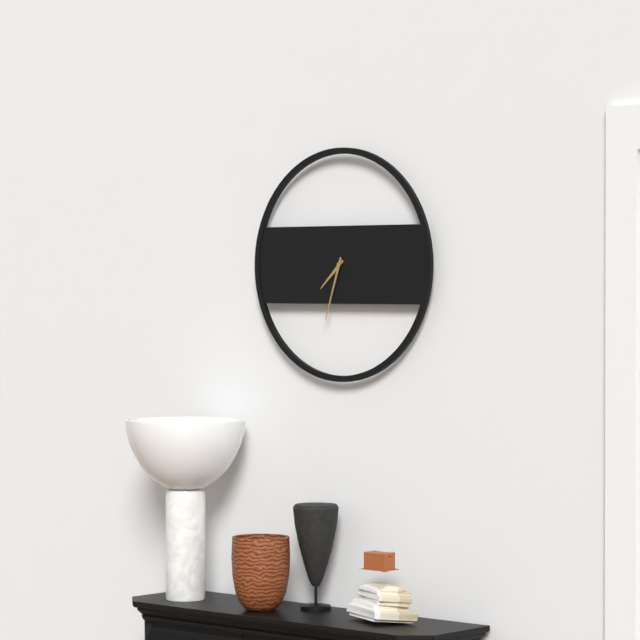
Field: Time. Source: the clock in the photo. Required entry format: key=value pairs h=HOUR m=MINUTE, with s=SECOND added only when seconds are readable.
h=7 m=33
